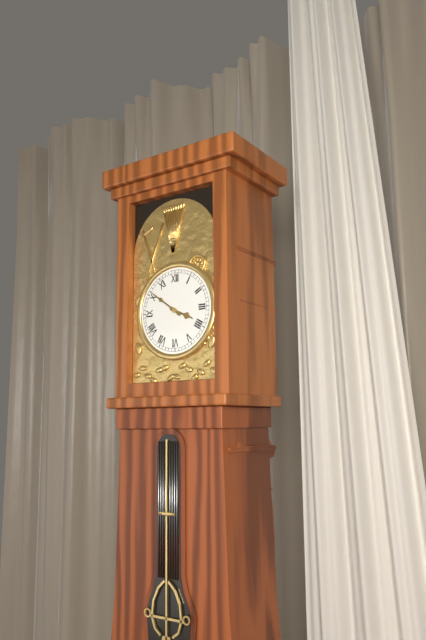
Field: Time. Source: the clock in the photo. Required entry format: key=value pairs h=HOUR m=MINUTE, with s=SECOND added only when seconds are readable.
h=3 m=51
